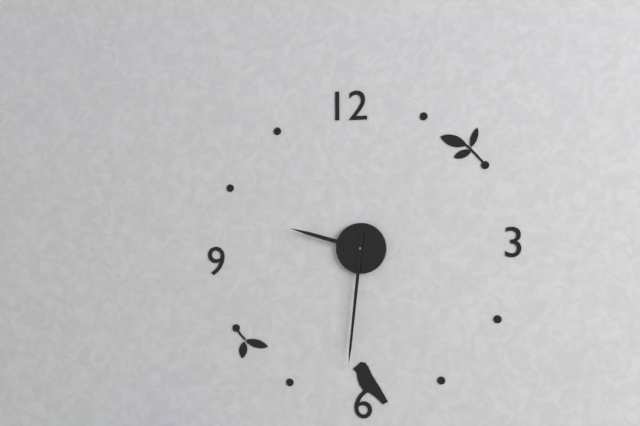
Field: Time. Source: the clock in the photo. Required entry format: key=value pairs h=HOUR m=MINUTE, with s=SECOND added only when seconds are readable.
h=9 m=31
